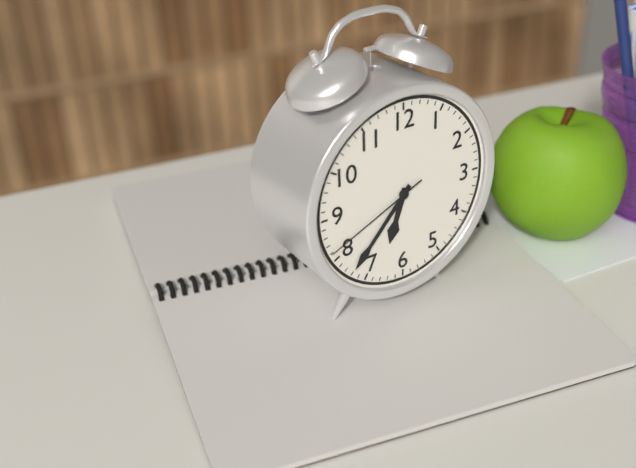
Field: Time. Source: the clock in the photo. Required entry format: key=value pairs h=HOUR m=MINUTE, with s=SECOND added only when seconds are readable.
h=6 m=37 s=41
